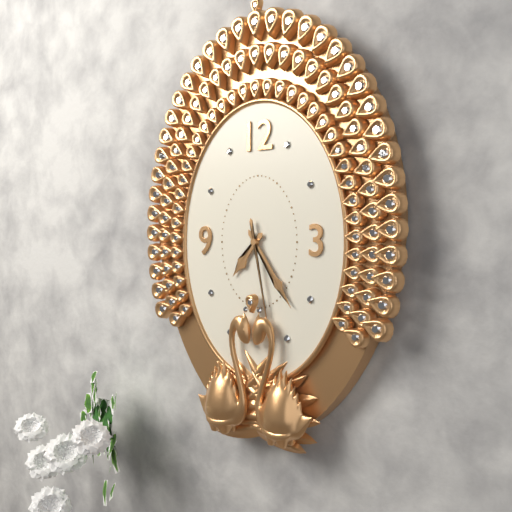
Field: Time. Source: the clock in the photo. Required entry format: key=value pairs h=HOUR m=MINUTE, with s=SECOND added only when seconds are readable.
h=7 m=24 s=28
